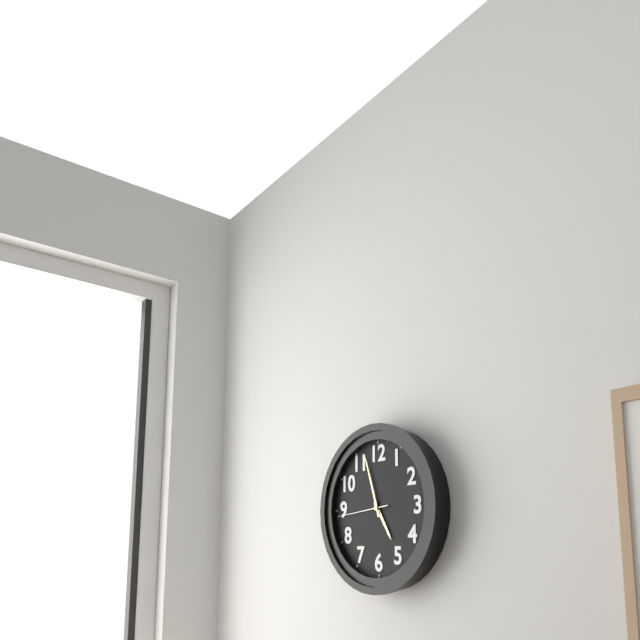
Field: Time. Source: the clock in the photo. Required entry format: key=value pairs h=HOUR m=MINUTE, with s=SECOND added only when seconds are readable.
h=4 m=57 s=44
